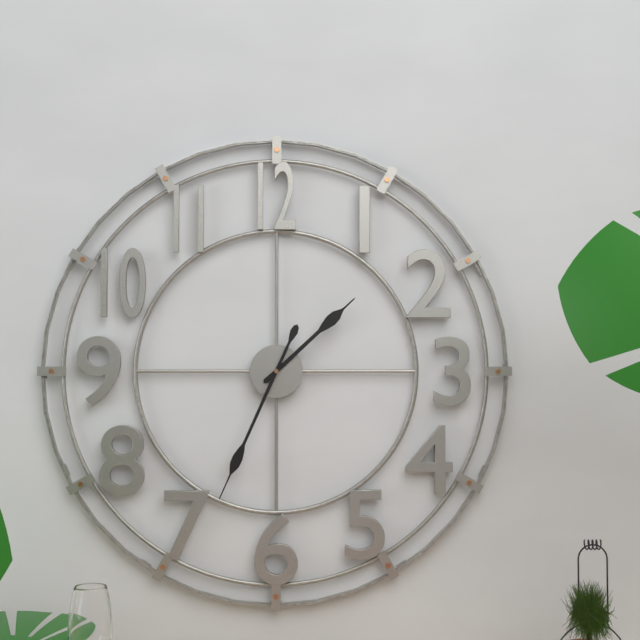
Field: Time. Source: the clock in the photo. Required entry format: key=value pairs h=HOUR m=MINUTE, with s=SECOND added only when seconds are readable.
h=1 m=34
